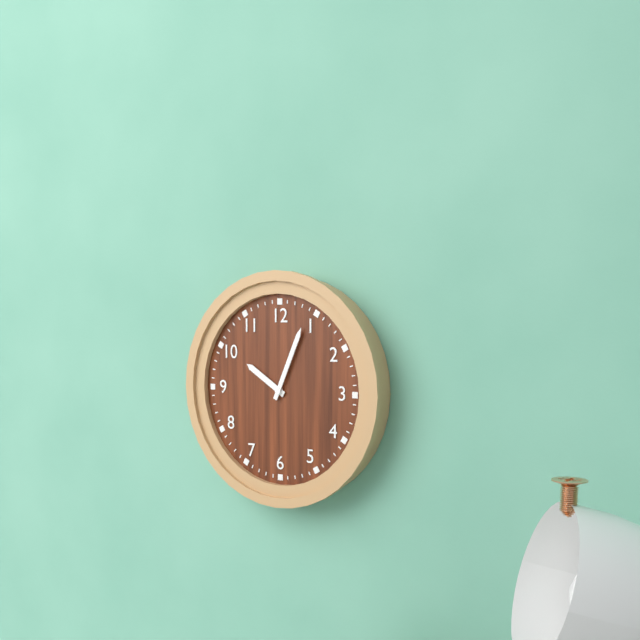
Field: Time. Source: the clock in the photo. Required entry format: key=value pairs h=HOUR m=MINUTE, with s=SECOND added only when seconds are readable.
h=10 m=4
